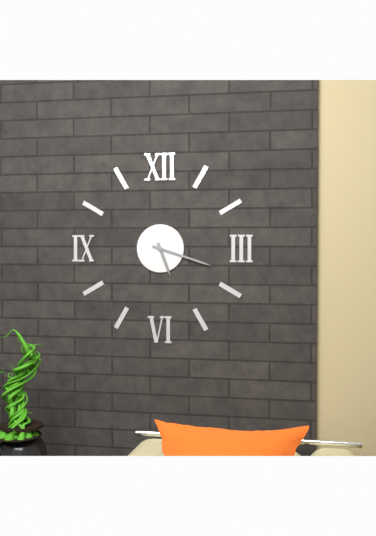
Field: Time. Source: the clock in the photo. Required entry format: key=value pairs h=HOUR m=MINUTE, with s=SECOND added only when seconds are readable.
h=5 m=18
